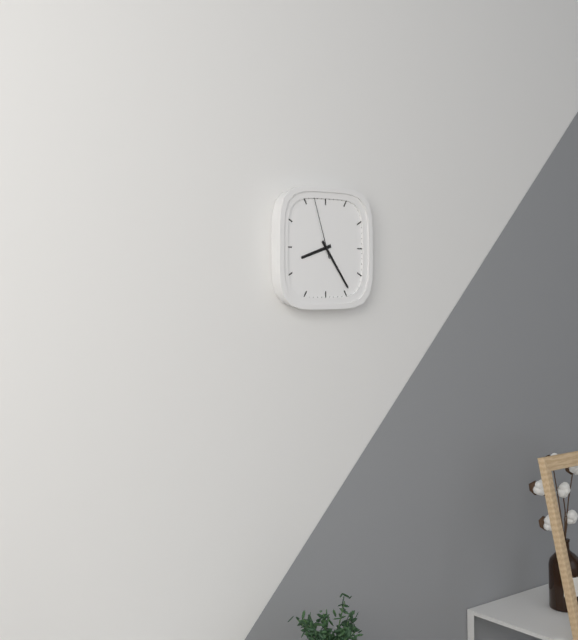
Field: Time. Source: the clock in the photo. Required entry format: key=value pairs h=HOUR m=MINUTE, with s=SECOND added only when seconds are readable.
h=8 m=24 s=57
